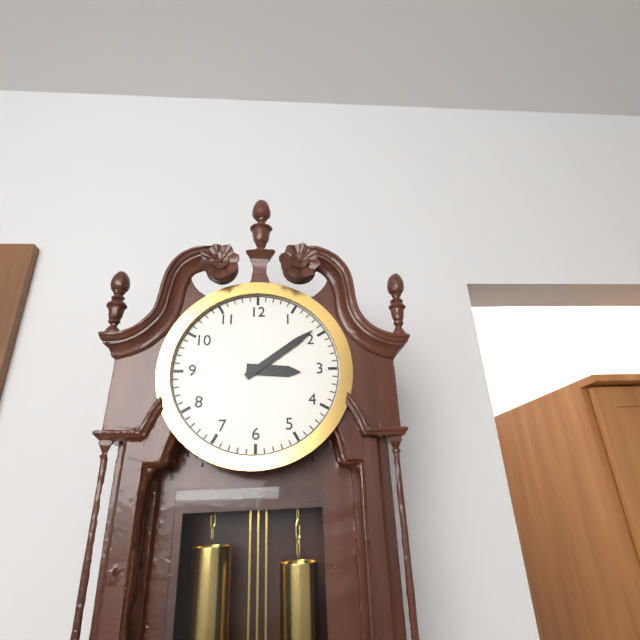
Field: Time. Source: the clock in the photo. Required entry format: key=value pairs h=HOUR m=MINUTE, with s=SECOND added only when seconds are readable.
h=3 m=9
